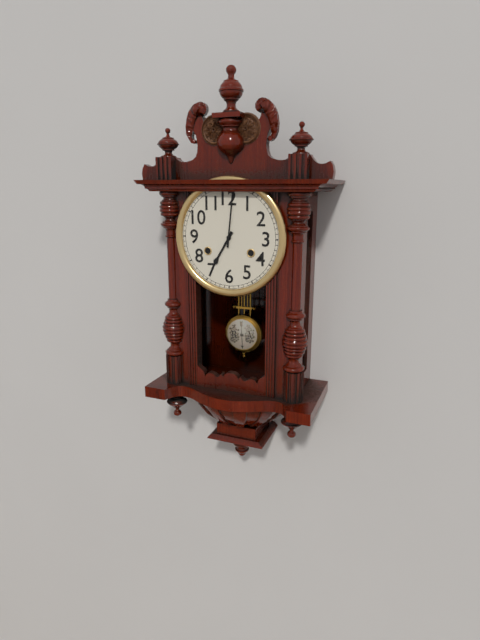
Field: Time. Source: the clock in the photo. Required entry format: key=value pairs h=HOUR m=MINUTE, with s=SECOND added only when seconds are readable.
h=7 m=1
